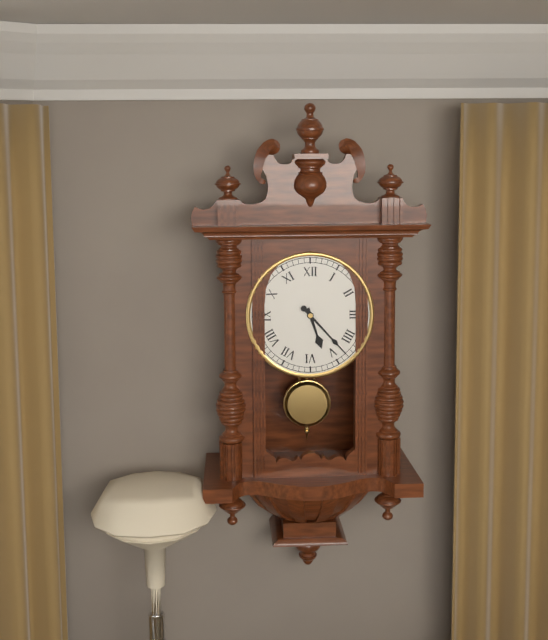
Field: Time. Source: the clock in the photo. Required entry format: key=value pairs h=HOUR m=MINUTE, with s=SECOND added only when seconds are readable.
h=5 m=23
